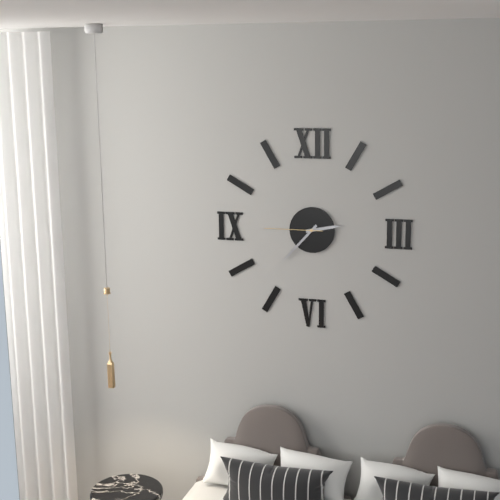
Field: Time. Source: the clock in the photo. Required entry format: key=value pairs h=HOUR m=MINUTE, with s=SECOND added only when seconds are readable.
h=2 m=37 s=45
